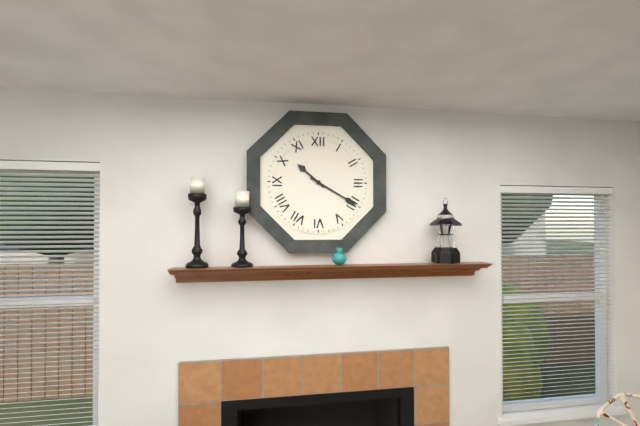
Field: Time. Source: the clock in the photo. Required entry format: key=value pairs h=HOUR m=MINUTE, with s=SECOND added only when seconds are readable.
h=10 m=20
